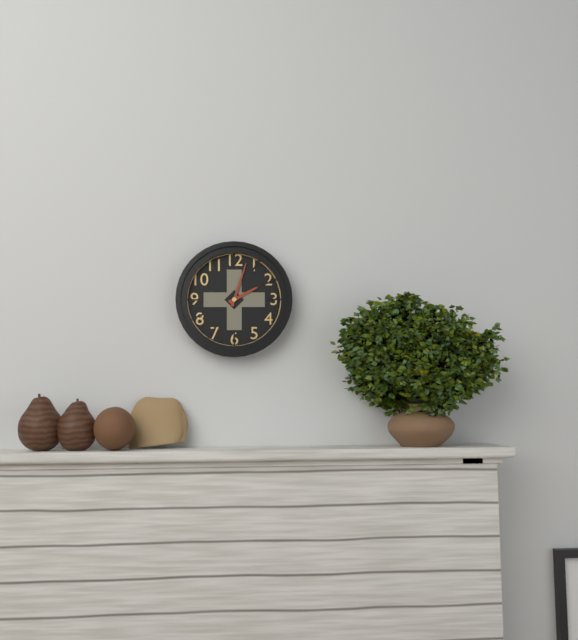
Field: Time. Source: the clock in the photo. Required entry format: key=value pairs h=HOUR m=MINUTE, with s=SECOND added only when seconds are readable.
h=2 m=3
